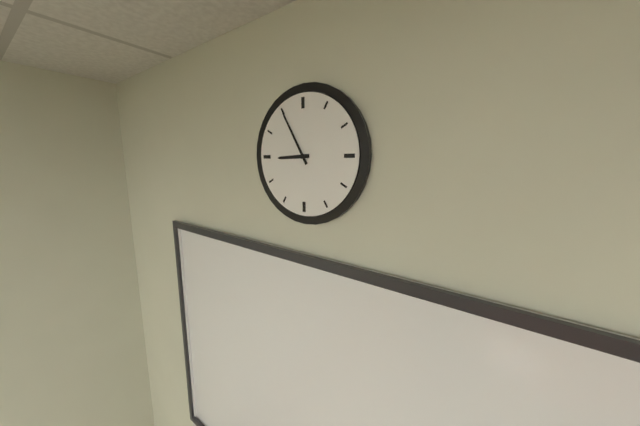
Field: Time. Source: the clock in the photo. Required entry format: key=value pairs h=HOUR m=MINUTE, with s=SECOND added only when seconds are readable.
h=8 m=55
